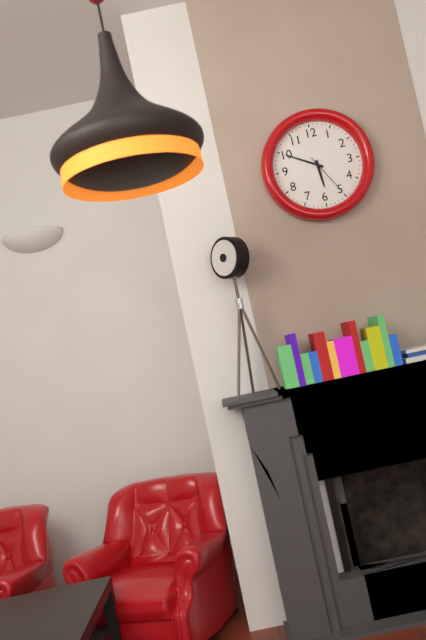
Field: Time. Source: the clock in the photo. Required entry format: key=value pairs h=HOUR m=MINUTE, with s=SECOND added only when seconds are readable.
h=5 m=50
